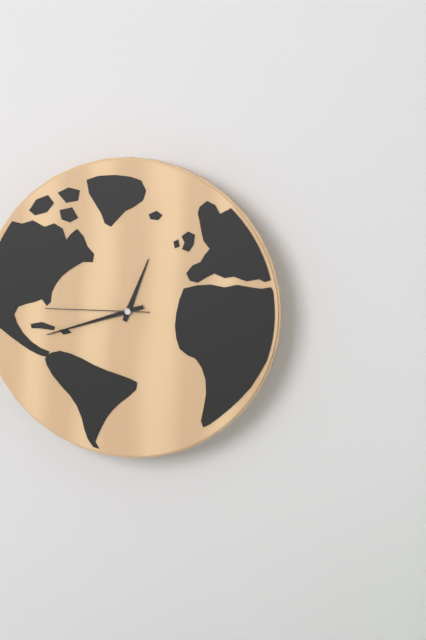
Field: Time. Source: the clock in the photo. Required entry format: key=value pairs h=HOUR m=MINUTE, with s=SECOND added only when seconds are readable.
h=12 m=42 s=45
